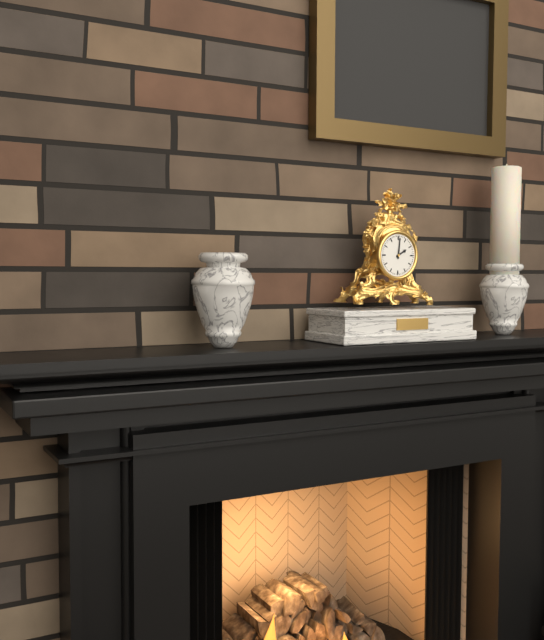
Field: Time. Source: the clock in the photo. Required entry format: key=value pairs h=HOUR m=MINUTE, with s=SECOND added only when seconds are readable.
h=2 m=1
